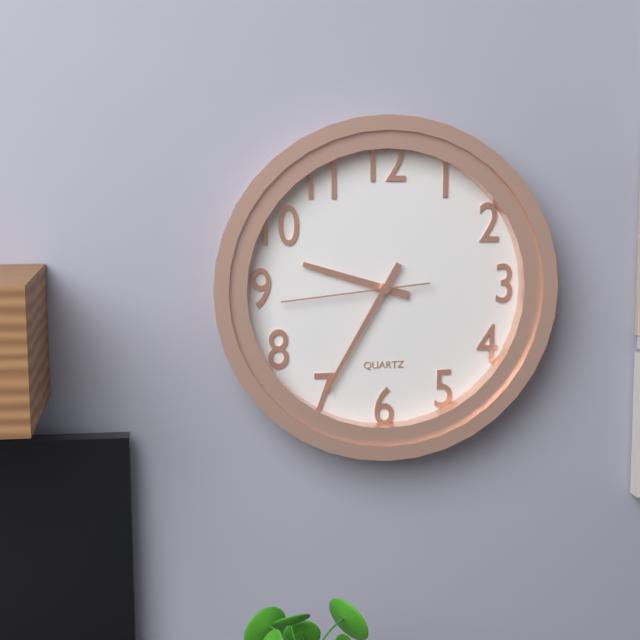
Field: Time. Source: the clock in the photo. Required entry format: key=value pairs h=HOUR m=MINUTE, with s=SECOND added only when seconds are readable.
h=9 m=35 s=44
